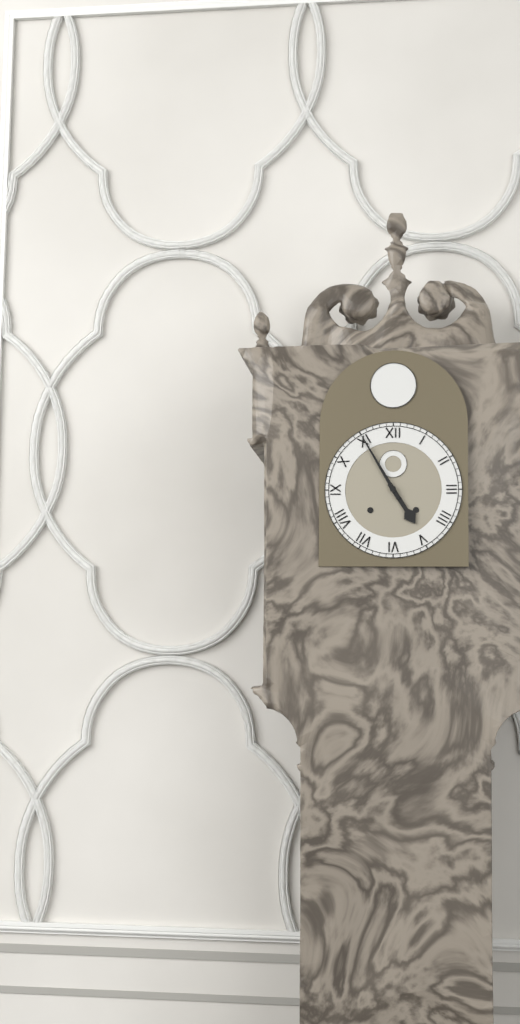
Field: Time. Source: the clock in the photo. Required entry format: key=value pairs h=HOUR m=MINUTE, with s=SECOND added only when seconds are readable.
h=4 m=55
